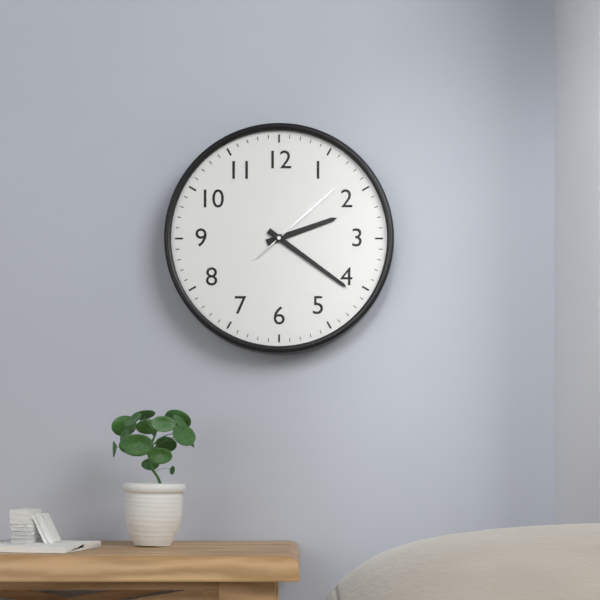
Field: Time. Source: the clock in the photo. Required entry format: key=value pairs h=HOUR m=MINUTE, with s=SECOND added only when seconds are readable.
h=2 m=21 s=8
